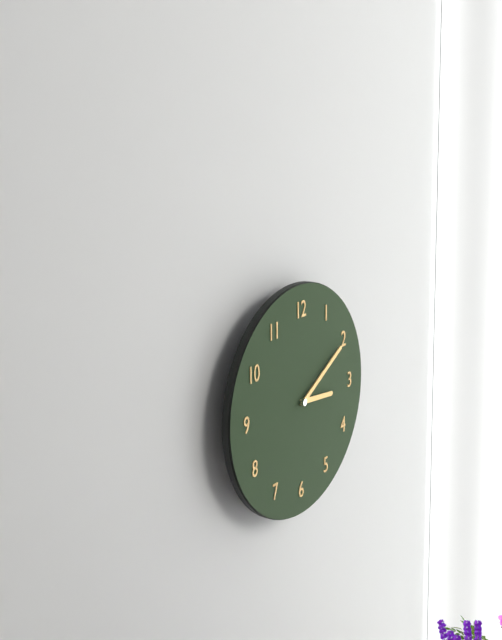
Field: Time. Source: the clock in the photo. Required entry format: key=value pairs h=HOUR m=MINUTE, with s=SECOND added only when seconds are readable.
h=3 m=10
